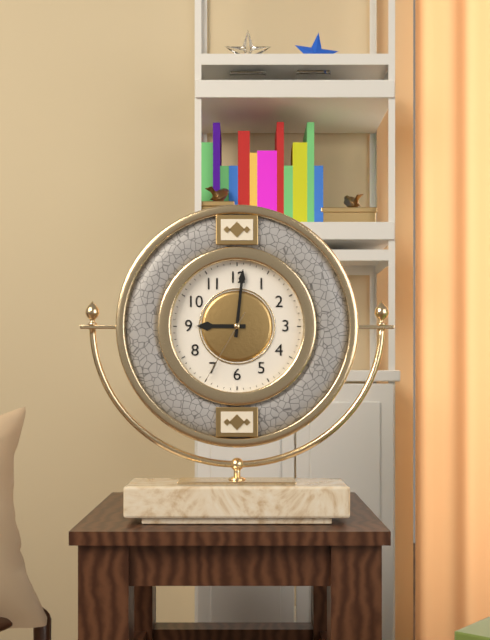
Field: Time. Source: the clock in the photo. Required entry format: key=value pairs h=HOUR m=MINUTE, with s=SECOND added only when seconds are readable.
h=9 m=1 s=35
